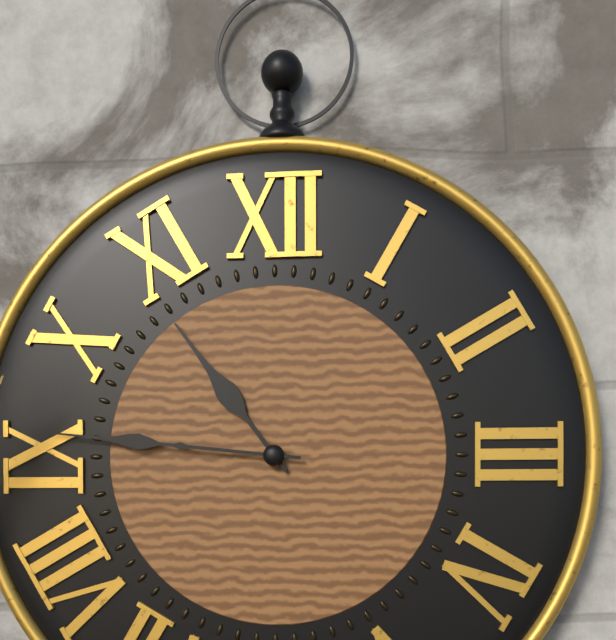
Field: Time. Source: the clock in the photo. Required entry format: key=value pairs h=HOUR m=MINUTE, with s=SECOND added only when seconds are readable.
h=10 m=46
